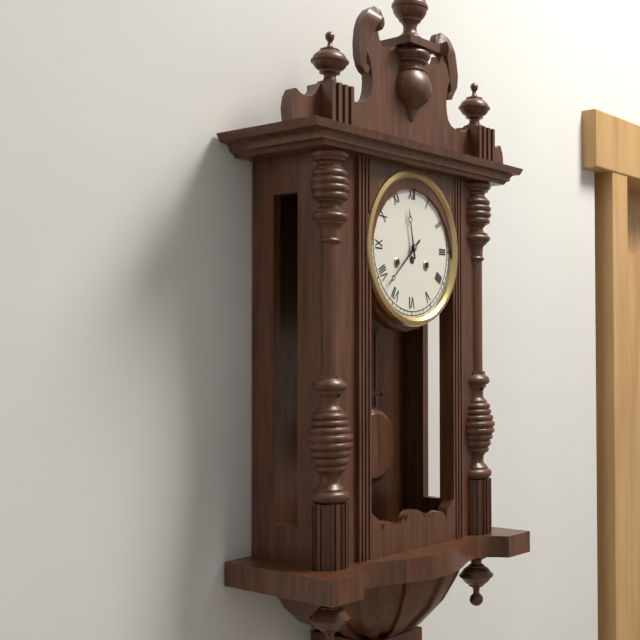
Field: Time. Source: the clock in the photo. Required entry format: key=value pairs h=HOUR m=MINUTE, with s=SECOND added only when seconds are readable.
h=11 m=38
